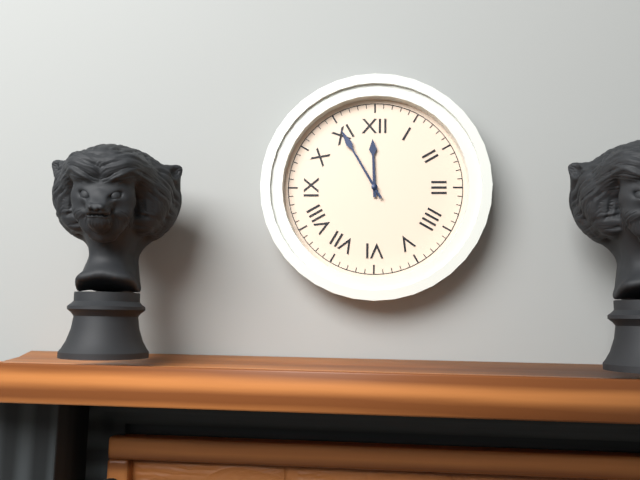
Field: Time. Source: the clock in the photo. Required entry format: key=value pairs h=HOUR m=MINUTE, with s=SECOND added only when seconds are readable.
h=11 m=55
